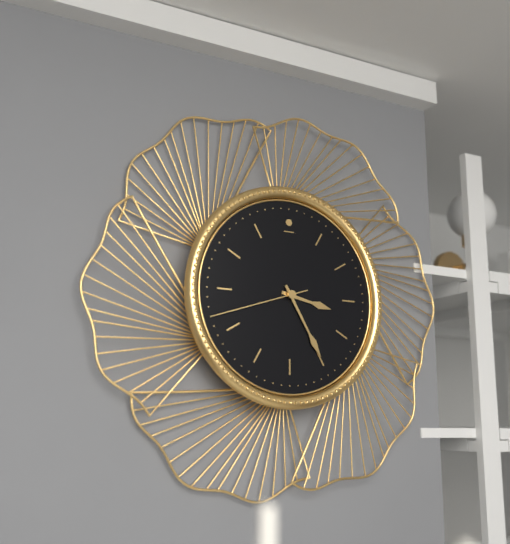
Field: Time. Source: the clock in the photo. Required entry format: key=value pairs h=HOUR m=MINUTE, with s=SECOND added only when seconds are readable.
h=3 m=25 s=42
